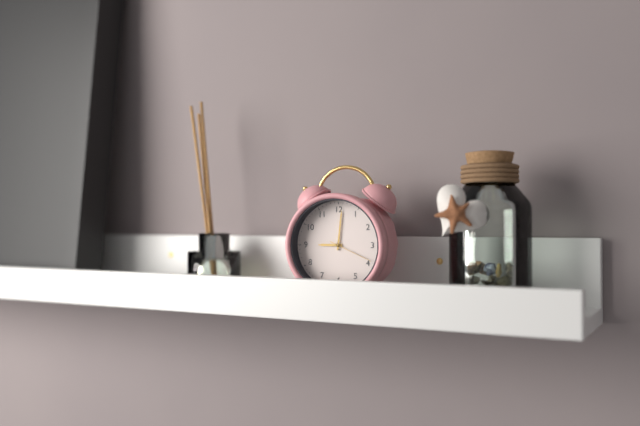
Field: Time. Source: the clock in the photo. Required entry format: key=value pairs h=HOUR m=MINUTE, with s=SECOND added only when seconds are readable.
h=9 m=1
